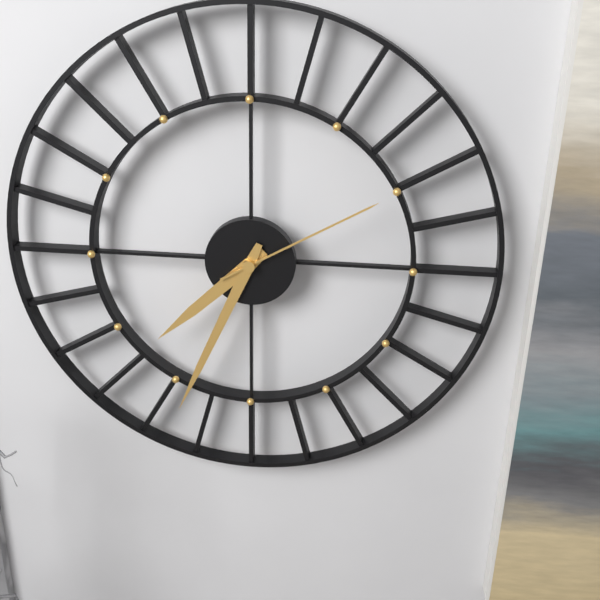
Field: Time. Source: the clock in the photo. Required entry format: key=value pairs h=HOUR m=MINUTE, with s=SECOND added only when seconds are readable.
h=7 m=34 s=10
